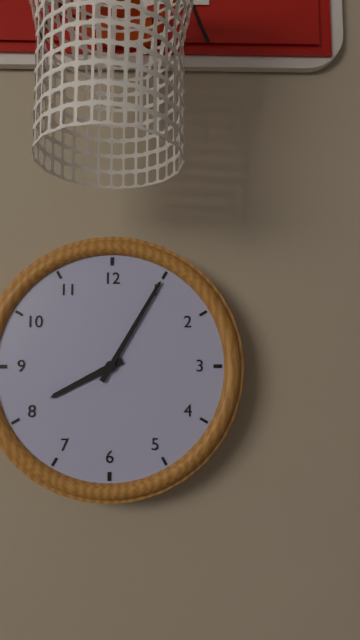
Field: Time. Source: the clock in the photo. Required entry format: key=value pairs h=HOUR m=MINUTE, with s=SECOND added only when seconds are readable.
h=8 m=5
